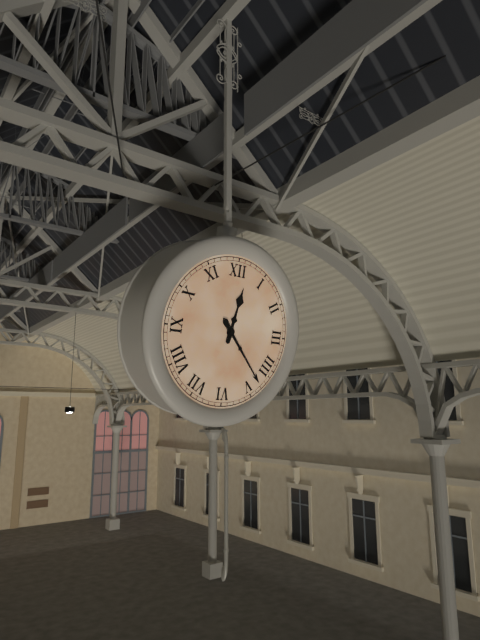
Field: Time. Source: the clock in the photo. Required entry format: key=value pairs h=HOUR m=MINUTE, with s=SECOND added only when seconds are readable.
h=12 m=23
